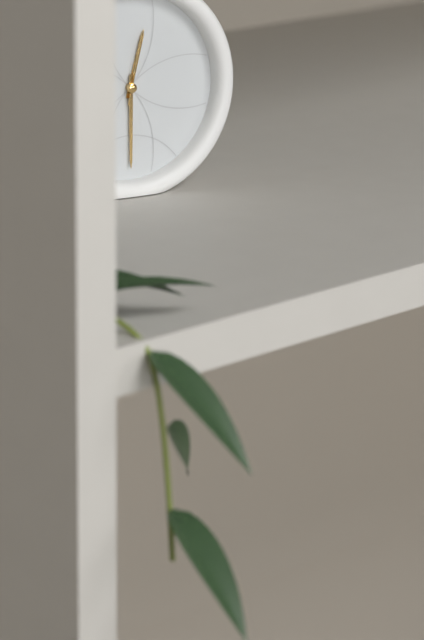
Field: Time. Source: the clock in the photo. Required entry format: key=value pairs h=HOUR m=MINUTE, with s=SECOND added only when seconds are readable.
h=12 m=30 s=2
